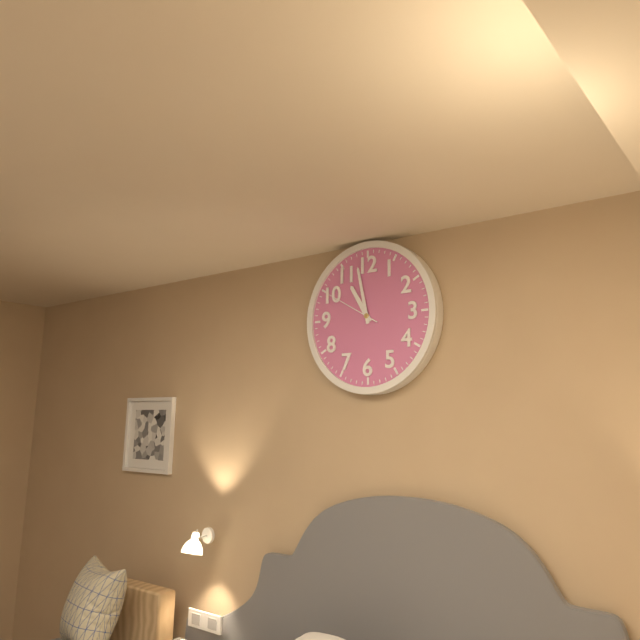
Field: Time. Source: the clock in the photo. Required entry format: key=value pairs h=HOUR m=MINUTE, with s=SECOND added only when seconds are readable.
h=10 m=58 s=50
